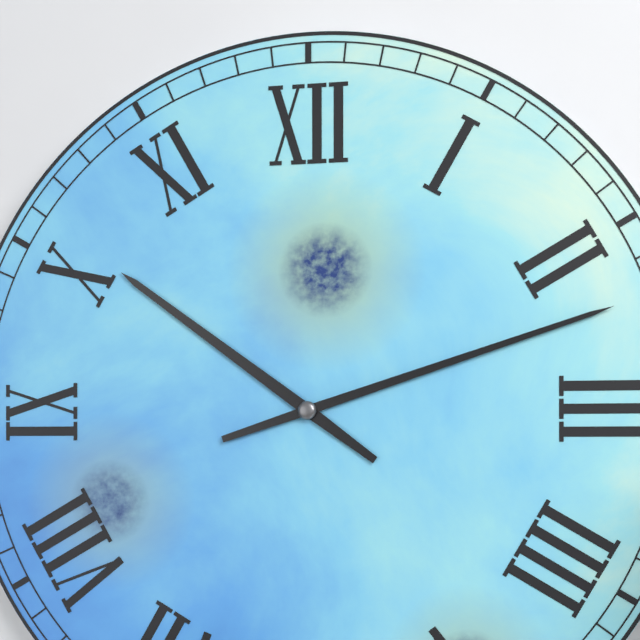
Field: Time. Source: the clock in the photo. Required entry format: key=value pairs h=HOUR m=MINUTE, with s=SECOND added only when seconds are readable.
h=10 m=12
